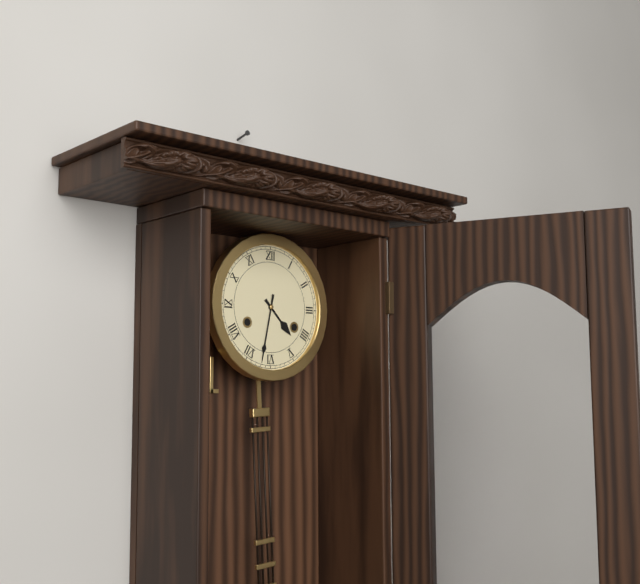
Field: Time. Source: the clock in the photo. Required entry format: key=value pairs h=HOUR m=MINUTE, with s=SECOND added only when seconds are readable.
h=4 m=32
